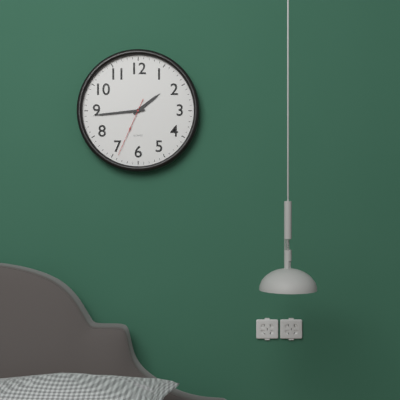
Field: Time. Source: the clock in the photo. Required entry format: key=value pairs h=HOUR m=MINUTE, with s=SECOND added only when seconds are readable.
h=1 m=44 s=34
